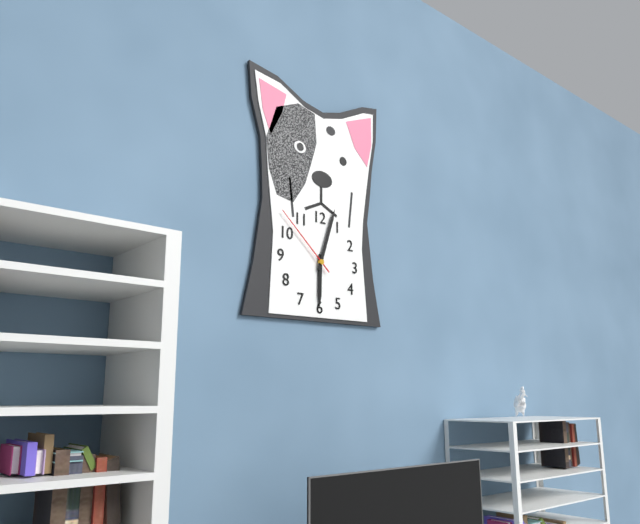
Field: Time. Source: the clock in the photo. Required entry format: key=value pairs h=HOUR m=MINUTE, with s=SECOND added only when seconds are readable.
h=6 m=3 s=52
